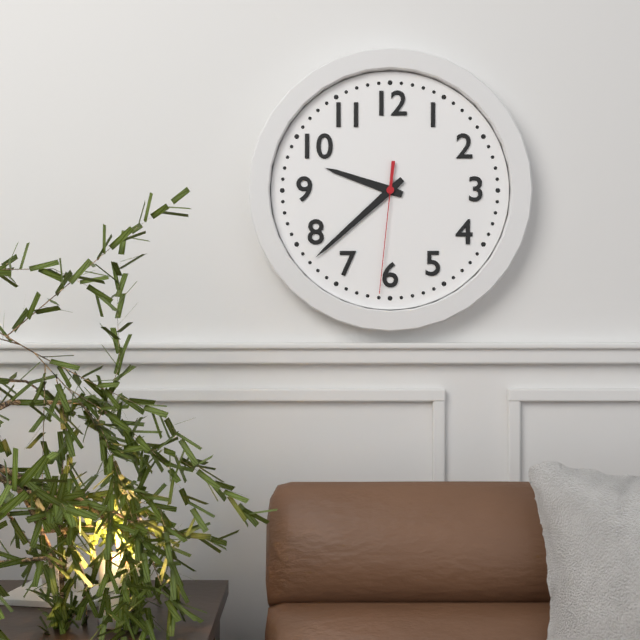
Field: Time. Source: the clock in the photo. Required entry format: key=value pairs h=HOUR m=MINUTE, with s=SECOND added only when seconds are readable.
h=9 m=38 s=31
